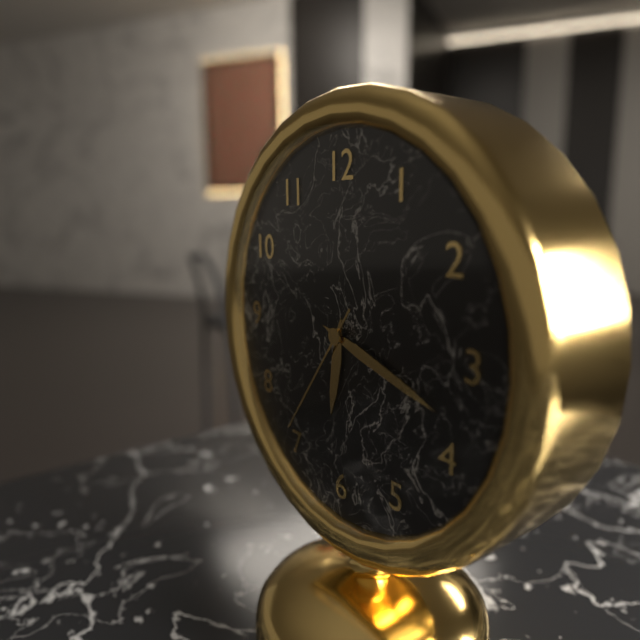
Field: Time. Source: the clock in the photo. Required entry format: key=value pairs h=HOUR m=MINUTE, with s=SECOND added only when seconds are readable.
h=6 m=18 s=36
